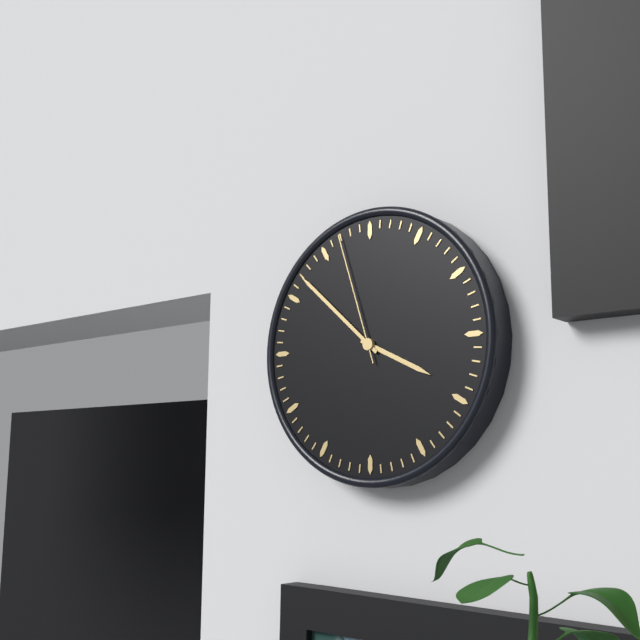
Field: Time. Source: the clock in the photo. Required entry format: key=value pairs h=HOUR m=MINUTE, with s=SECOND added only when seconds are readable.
h=3 m=52 s=57
